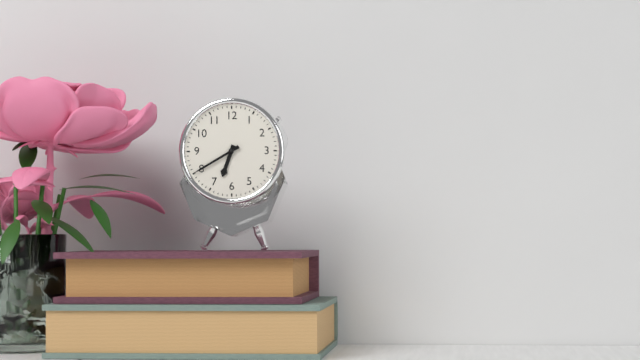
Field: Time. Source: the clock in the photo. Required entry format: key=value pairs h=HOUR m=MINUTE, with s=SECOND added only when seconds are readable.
h=6 m=40
